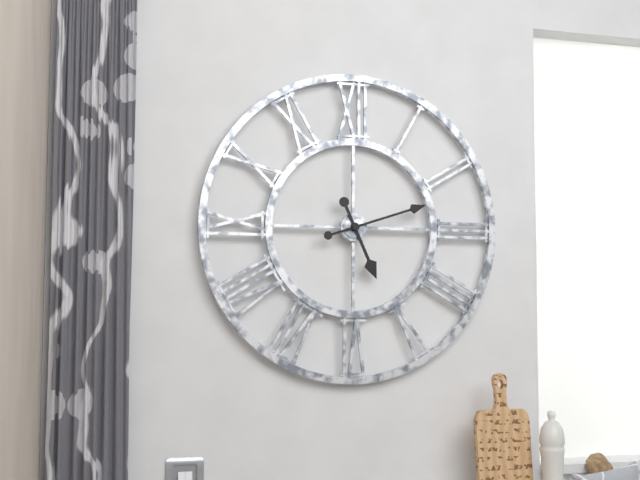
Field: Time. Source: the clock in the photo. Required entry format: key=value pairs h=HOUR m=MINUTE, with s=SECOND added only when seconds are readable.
h=5 m=12
